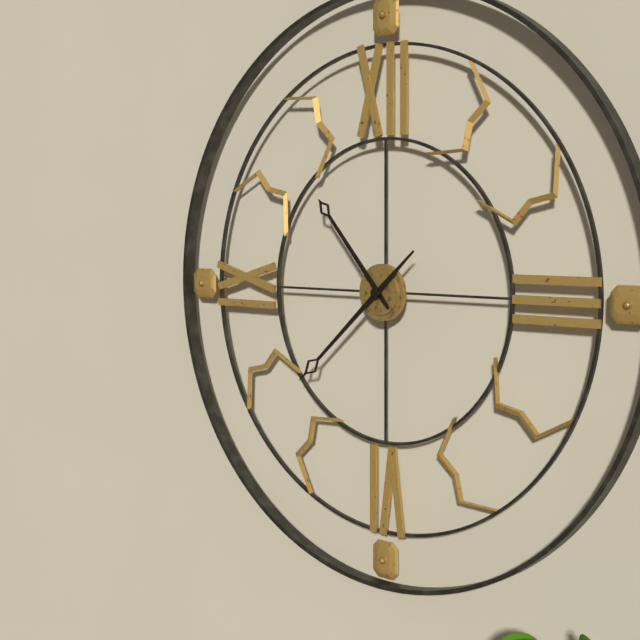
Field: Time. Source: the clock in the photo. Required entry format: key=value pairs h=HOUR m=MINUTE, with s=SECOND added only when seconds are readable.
h=10 m=38
